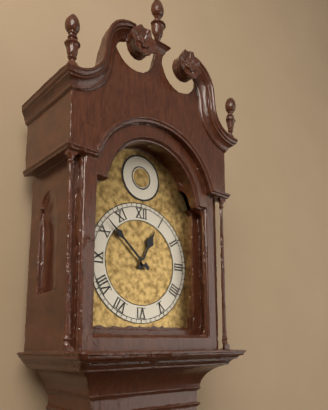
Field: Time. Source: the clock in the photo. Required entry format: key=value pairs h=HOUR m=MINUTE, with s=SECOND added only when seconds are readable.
h=12 m=52
